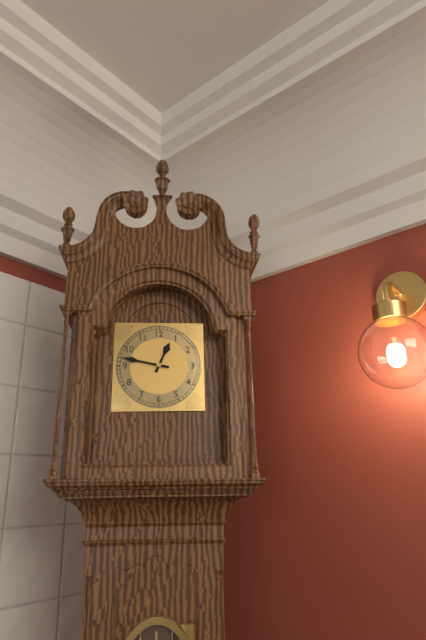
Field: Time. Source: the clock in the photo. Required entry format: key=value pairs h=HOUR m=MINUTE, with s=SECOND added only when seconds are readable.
h=12 m=47
